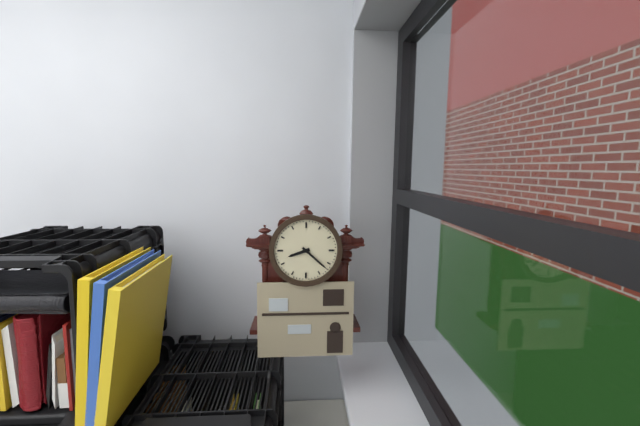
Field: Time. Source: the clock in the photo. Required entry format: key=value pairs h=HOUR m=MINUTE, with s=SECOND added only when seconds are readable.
h=8 m=22
